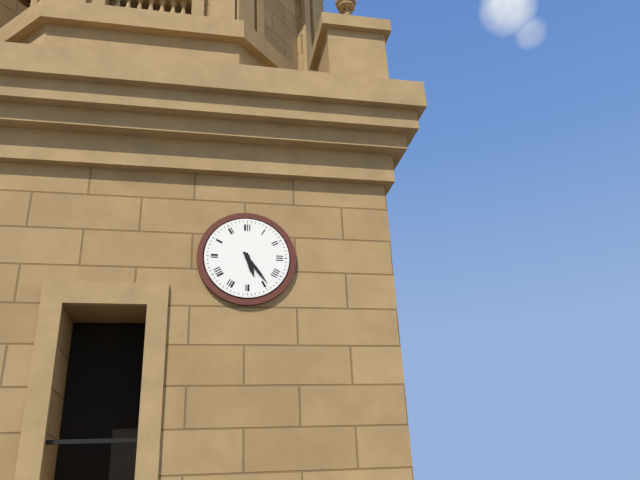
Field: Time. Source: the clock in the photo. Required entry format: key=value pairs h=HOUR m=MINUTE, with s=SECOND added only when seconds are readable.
h=5 m=24
